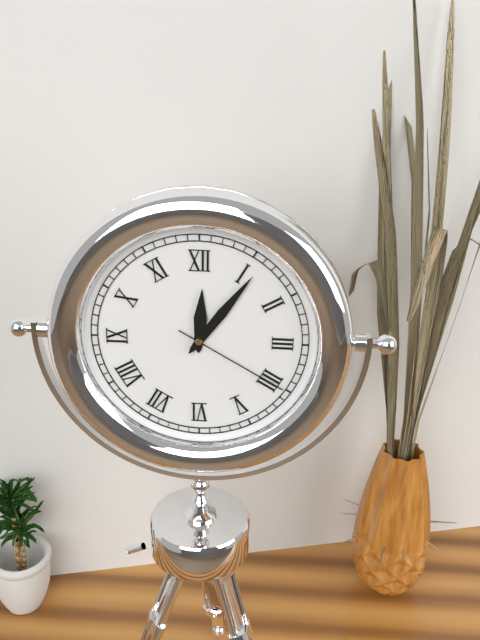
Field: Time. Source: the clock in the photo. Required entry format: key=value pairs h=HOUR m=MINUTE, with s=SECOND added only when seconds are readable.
h=12 m=6 s=20
